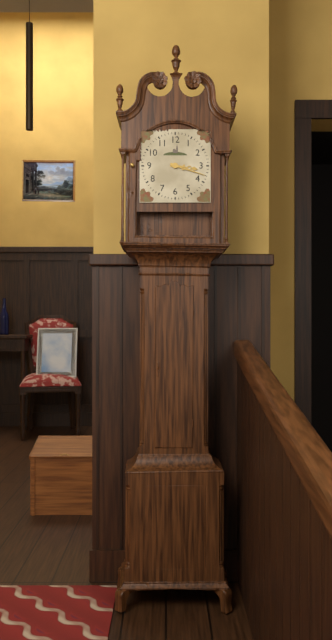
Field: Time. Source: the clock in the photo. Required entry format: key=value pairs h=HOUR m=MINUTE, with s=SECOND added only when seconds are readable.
h=3 m=18
